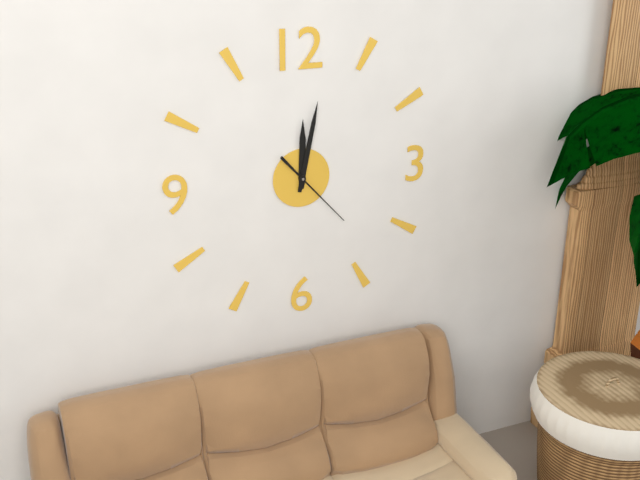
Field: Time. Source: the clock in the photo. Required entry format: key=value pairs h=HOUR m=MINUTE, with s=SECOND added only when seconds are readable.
h=12 m=2 s=23
